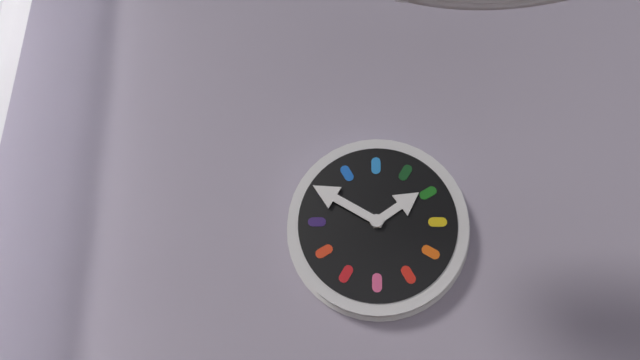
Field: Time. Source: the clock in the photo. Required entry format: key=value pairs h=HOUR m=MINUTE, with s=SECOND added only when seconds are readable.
h=1 m=50
